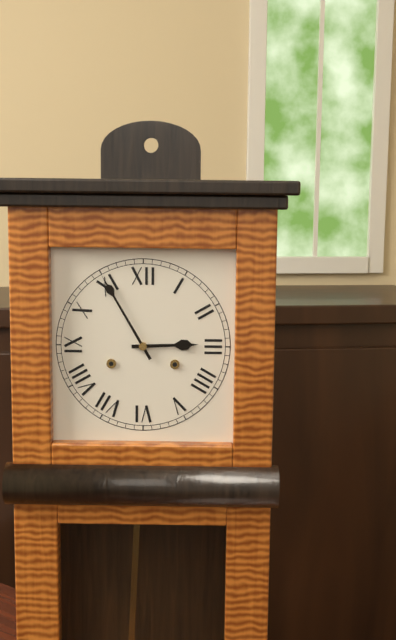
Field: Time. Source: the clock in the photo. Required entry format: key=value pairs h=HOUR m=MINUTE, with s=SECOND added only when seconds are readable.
h=2 m=55
